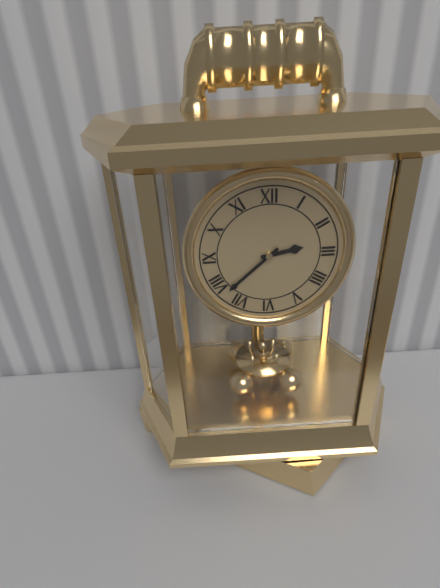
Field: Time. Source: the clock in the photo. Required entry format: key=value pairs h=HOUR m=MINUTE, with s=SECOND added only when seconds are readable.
h=2 m=38
